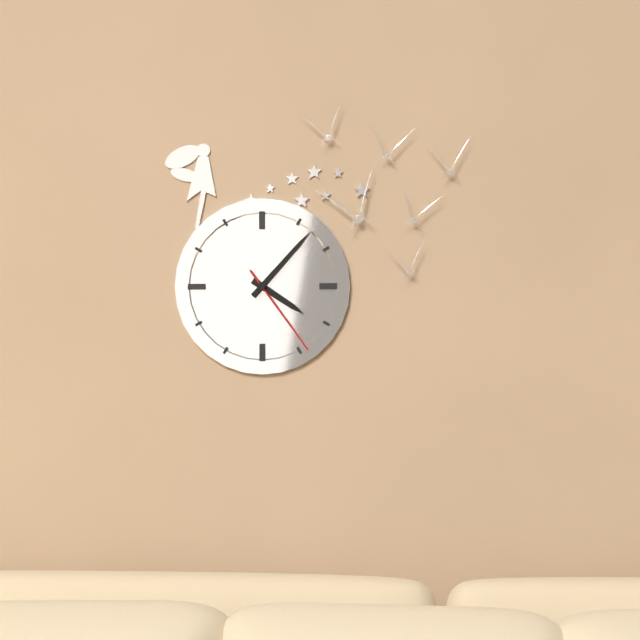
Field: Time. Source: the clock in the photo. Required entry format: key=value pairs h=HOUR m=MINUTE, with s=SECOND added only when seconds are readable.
h=4 m=7 s=24
